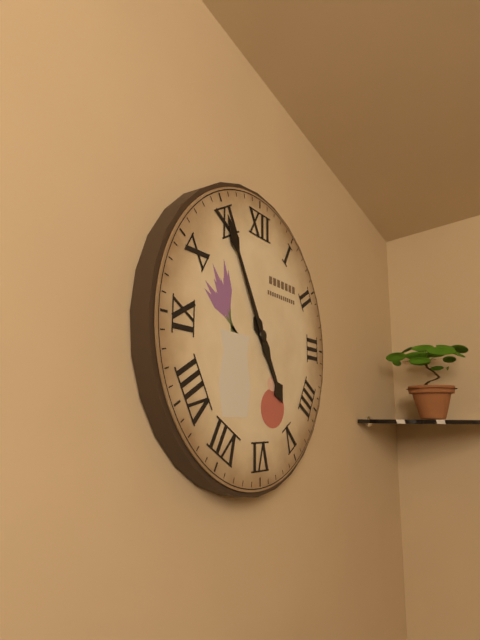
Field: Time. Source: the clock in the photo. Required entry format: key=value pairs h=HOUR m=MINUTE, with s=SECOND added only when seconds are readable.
h=4 m=55
